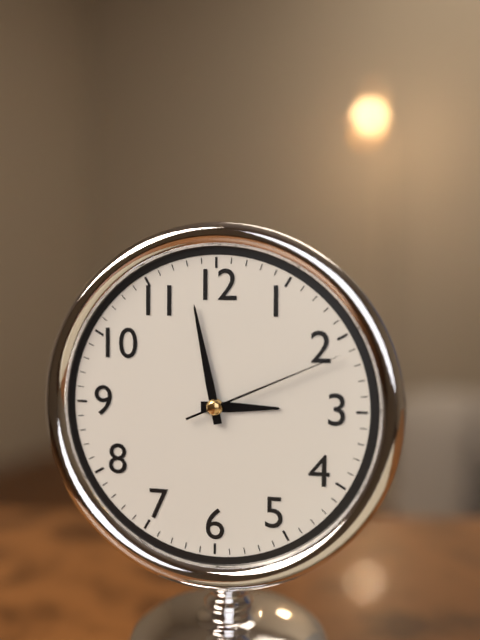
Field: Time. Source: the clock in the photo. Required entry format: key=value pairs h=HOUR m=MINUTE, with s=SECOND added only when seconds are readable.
h=2 m=58 s=11
